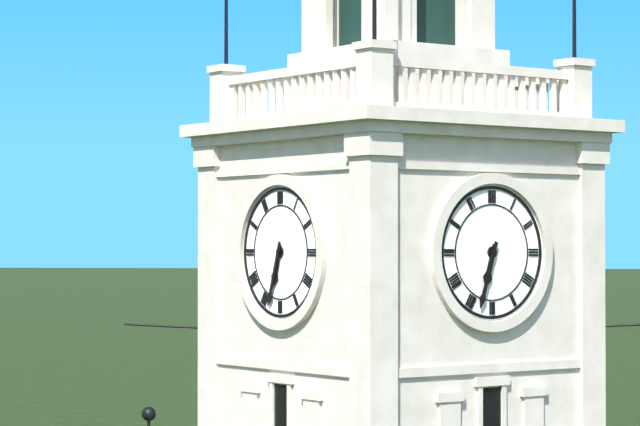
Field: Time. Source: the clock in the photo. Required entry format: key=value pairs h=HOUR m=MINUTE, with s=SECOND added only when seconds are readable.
h=6 m=33
